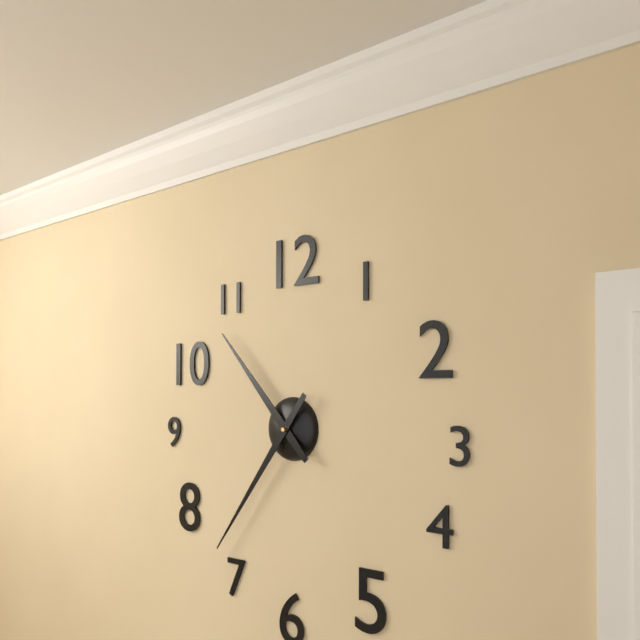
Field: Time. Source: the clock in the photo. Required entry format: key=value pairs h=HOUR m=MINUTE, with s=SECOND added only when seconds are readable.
h=10 m=36
